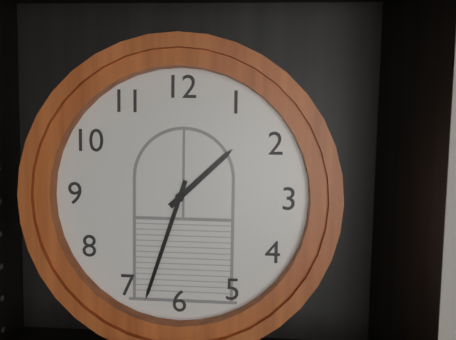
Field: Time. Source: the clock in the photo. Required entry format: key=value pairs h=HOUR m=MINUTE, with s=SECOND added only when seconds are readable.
h=1 m=33
